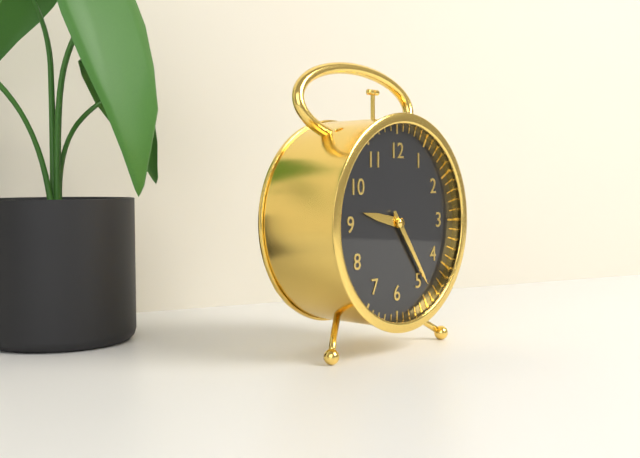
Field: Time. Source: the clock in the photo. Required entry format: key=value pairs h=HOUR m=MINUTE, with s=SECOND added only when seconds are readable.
h=9 m=24
